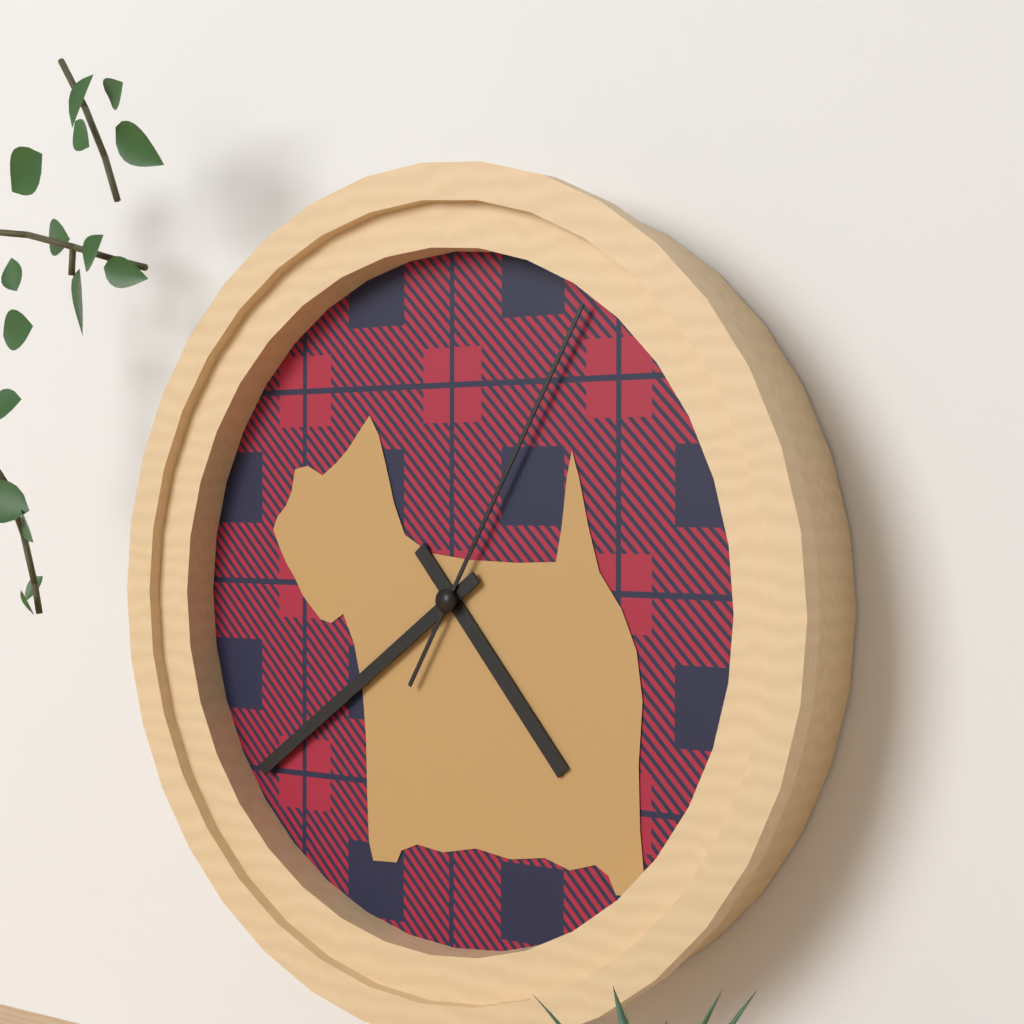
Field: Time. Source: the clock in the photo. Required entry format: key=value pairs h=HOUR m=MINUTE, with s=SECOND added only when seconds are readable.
h=4 m=39 s=5
